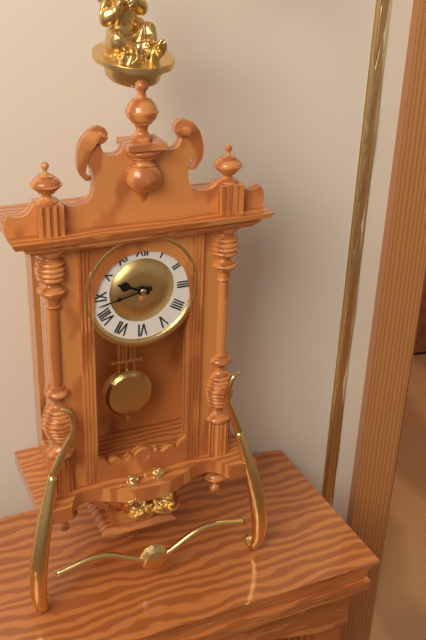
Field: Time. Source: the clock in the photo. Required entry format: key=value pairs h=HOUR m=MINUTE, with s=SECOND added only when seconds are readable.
h=9 m=43
